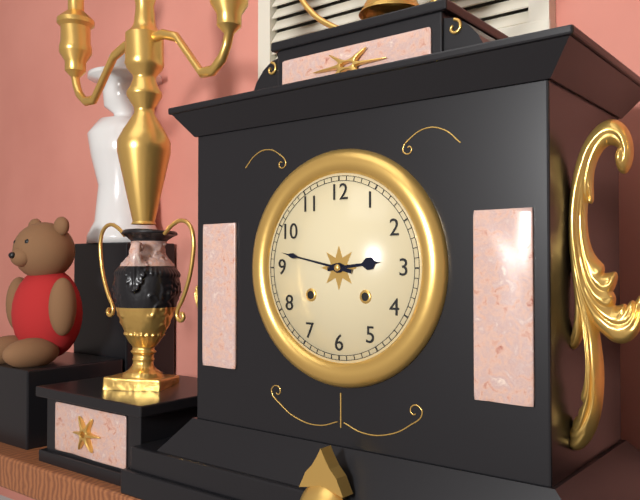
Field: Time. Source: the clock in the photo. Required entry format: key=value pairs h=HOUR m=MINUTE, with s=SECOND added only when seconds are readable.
h=2 m=47
